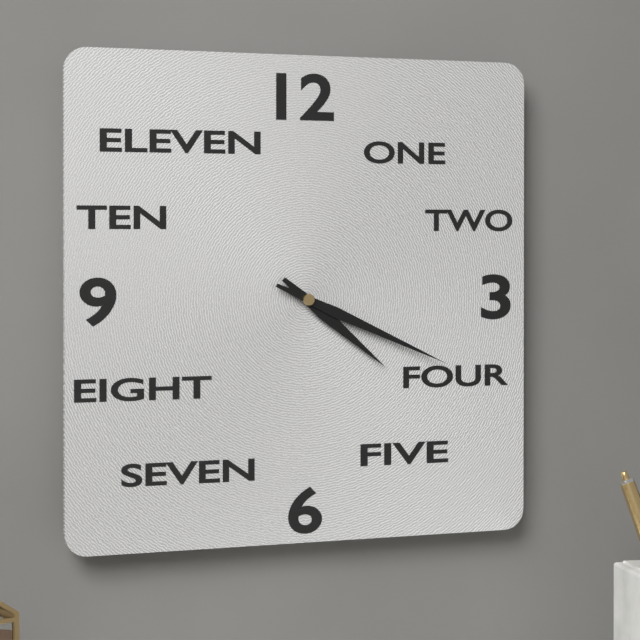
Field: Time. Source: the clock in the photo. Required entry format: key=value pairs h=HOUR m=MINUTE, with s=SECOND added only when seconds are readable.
h=4 m=19
